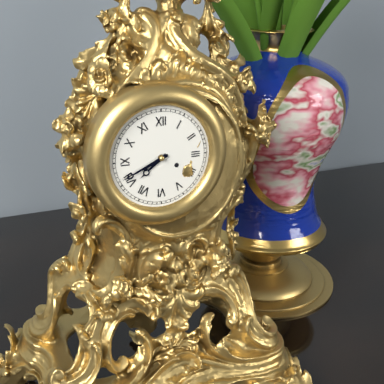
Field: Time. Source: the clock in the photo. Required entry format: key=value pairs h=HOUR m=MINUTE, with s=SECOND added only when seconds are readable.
h=7 m=41
